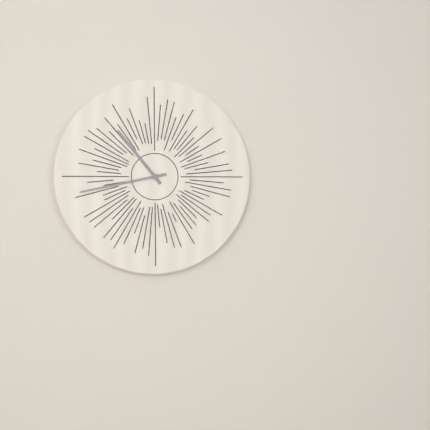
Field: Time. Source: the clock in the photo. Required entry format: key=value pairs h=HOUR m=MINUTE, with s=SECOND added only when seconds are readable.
h=10 m=43
